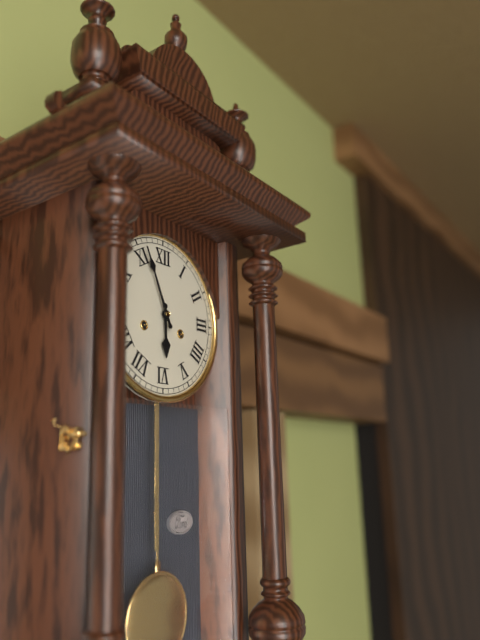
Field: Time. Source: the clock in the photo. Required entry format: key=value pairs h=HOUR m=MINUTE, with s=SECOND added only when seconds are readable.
h=5 m=56
